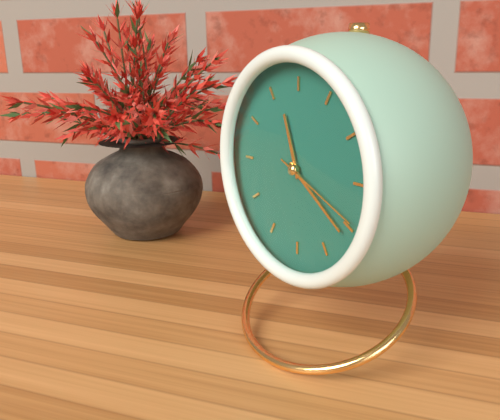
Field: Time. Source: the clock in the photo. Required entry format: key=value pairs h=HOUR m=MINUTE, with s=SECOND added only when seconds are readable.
h=11 m=21 s=19
